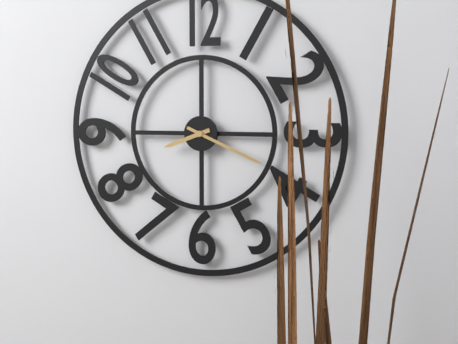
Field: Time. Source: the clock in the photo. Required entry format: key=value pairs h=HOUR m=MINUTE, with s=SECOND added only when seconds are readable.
h=8 m=19
